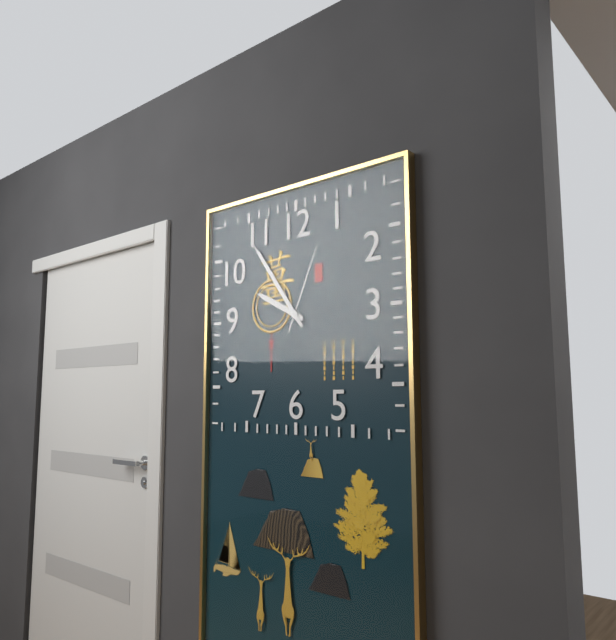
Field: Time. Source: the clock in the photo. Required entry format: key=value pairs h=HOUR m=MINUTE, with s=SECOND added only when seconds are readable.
h=9 m=54 s=4
